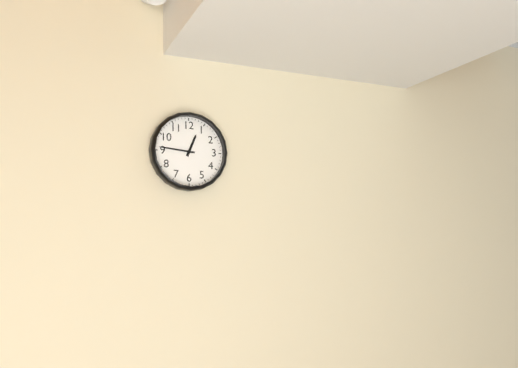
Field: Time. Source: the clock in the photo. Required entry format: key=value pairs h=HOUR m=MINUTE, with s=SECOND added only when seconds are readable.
h=12 m=46
